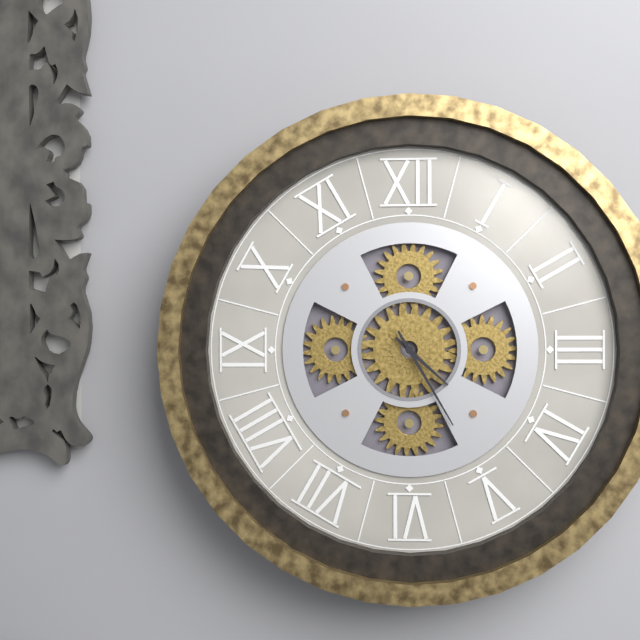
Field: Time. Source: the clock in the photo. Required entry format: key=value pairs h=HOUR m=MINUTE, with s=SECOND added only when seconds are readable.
h=4 m=25
